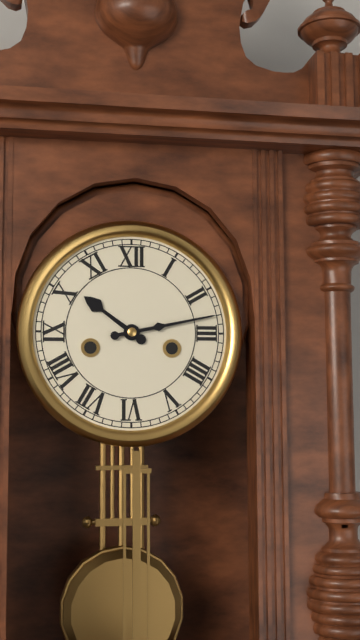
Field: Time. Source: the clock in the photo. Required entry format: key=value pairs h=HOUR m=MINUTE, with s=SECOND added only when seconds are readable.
h=10 m=13
